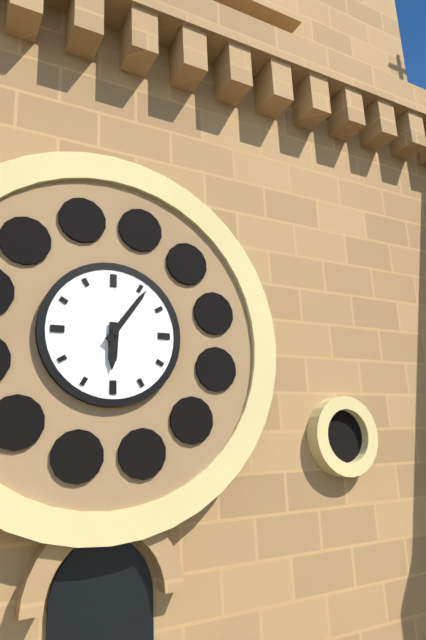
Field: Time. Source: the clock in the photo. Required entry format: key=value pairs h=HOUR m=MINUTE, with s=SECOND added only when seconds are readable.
h=6 m=6
